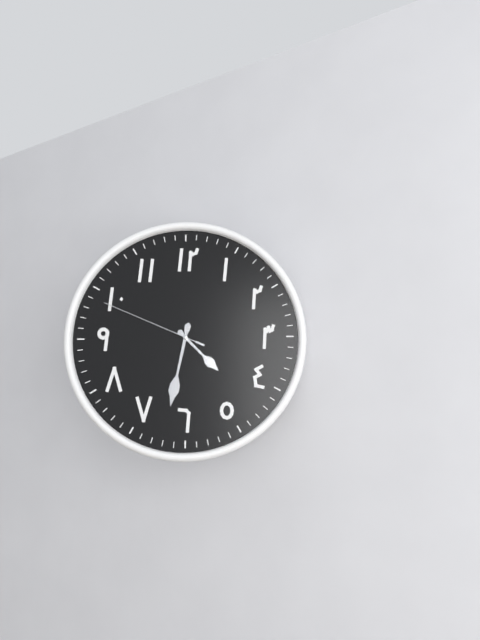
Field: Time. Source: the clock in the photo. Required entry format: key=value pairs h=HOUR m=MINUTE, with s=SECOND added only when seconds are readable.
h=4 m=32 s=49
